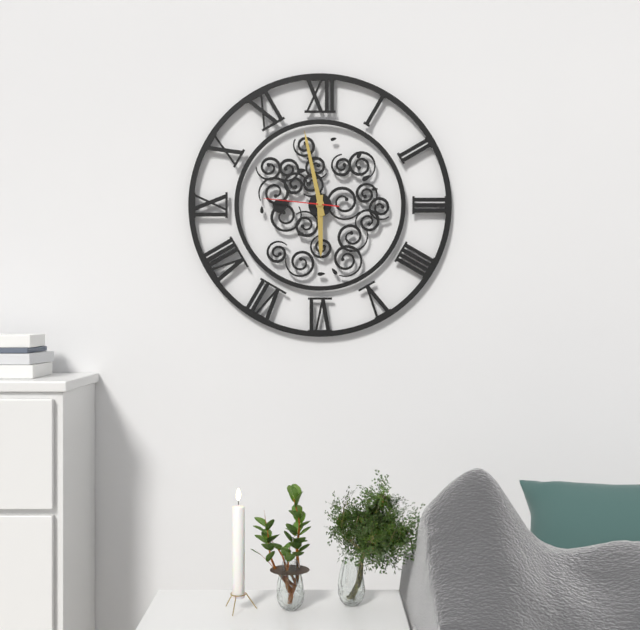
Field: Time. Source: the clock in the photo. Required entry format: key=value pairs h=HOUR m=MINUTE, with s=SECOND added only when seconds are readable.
h=5 m=58 s=46
